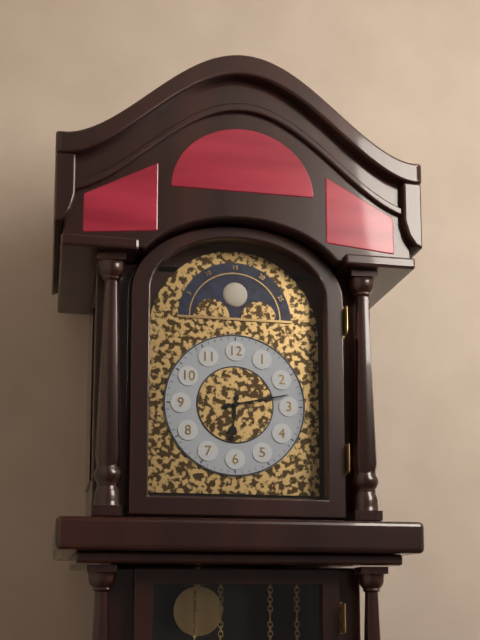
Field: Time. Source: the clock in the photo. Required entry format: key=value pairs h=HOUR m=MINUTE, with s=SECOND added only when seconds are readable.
h=6 m=13
